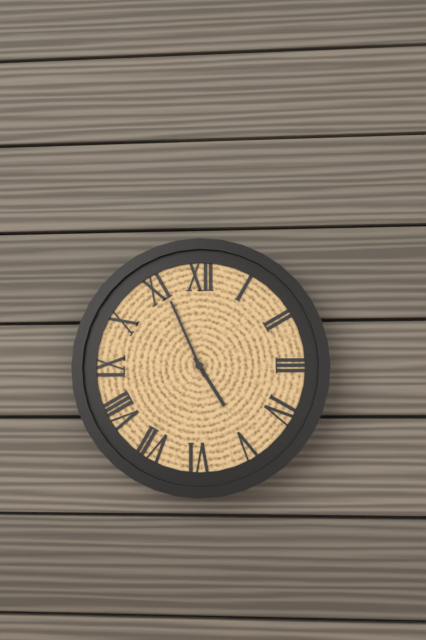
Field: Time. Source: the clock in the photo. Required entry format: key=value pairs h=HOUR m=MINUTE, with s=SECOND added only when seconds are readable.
h=4 m=56
